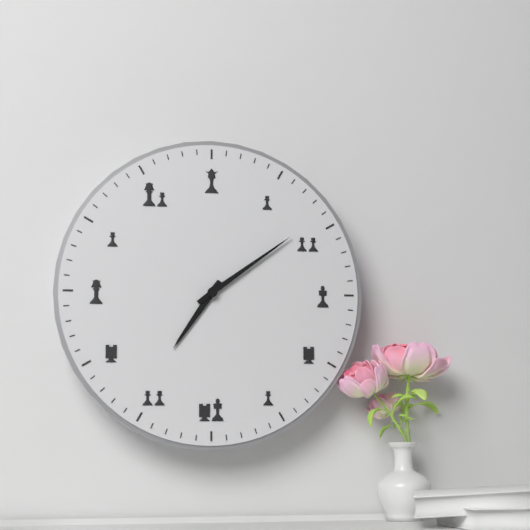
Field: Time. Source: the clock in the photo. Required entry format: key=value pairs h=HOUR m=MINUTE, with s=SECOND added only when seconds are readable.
h=7 m=9
